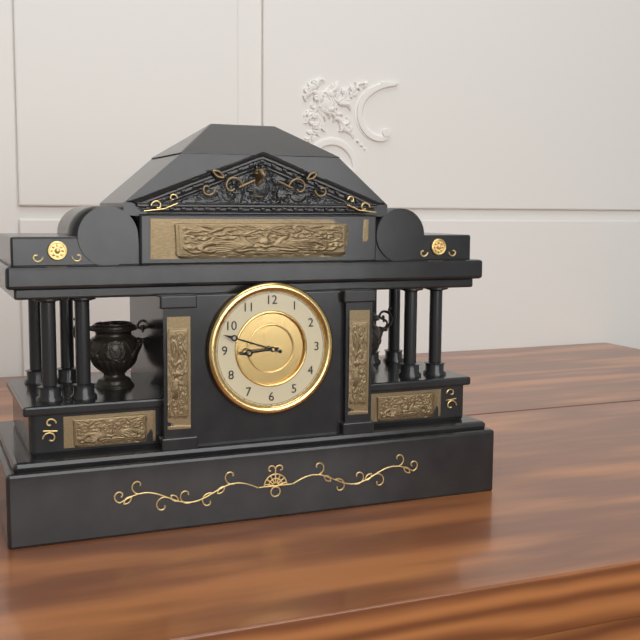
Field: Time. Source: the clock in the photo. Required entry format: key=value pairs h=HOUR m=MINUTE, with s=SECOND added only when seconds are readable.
h=8 m=48
